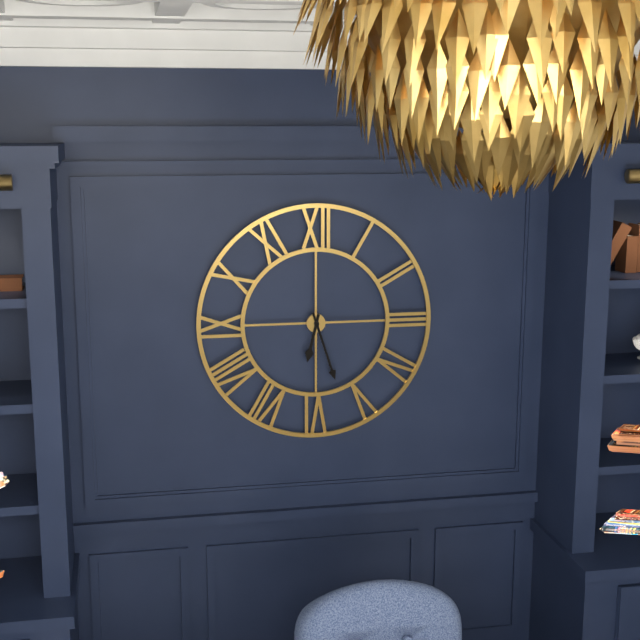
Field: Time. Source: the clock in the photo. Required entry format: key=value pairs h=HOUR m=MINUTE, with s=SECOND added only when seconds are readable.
h=6 m=27
